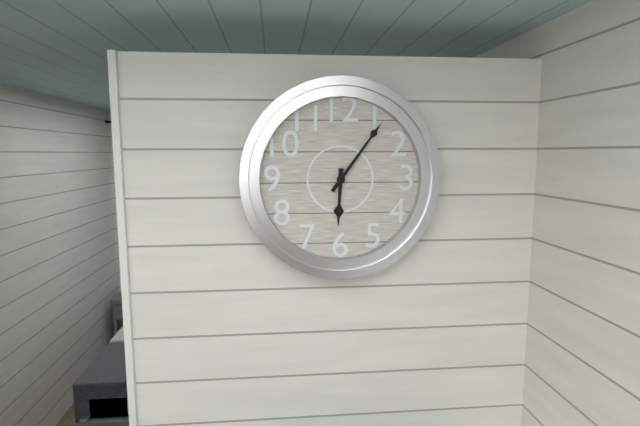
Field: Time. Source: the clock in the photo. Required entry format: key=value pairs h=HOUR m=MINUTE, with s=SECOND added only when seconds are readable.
h=6 m=6
